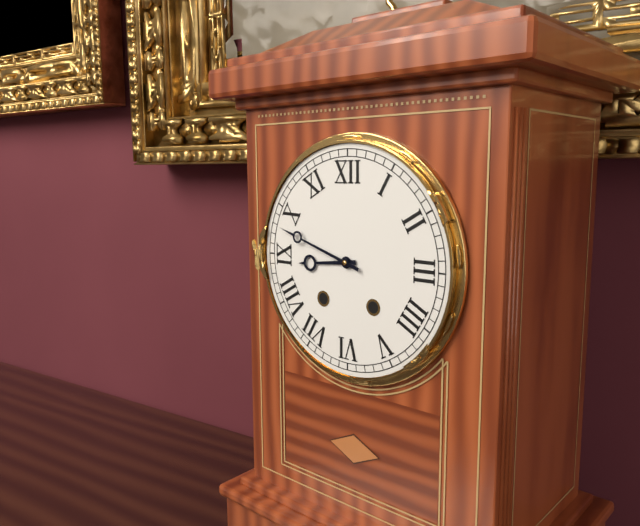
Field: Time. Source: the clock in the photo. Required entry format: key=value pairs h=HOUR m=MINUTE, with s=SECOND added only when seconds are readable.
h=8 m=48
